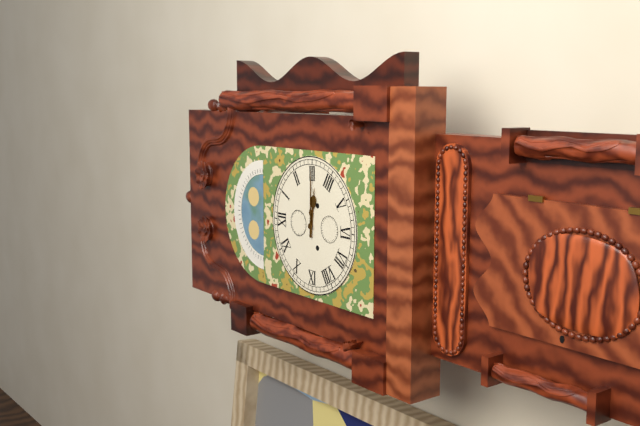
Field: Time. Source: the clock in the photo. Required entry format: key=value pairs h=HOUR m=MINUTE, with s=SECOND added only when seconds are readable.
h=3 m=15
